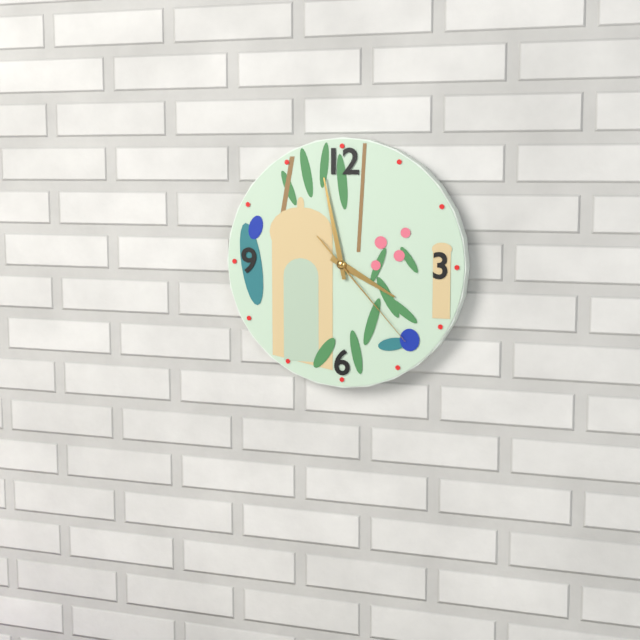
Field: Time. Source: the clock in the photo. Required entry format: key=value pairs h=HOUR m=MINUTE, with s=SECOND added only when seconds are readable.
h=3 m=58 s=23
